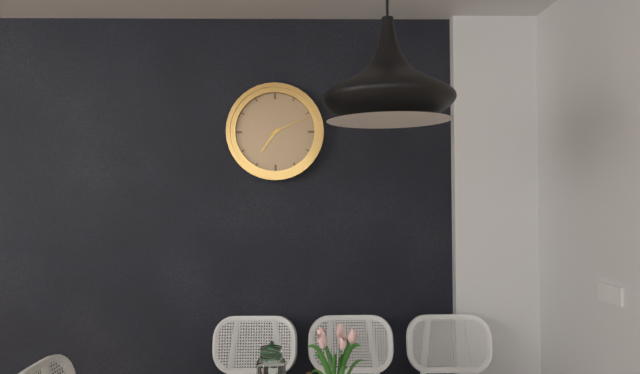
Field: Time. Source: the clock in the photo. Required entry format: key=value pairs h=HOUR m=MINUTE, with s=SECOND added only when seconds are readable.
h=7 m=11
